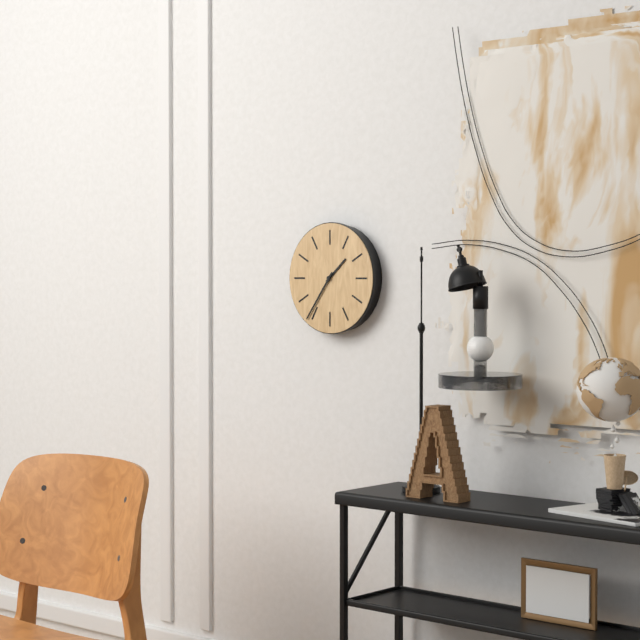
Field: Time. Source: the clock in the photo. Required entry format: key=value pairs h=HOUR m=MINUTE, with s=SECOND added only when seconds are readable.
h=1 m=36
